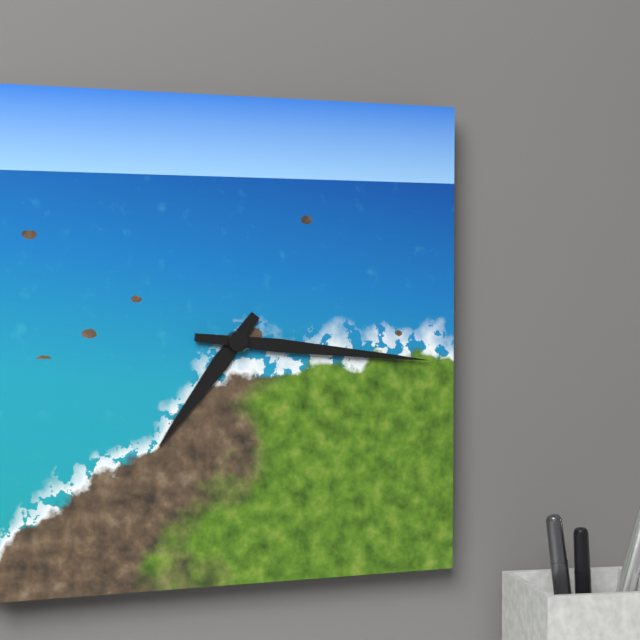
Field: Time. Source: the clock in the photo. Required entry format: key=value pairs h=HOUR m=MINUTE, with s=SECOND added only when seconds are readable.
h=7 m=16
